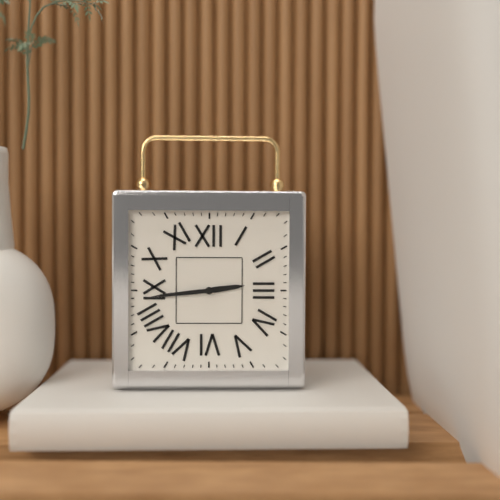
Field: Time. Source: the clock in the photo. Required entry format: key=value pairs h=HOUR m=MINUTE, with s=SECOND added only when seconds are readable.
h=2 m=44
